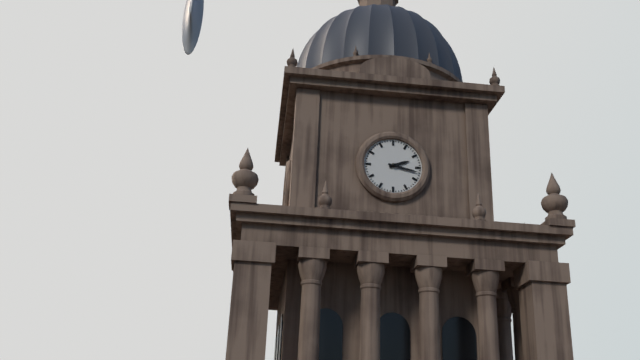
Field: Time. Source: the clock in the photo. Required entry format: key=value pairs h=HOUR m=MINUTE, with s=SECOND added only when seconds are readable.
h=2 m=17
